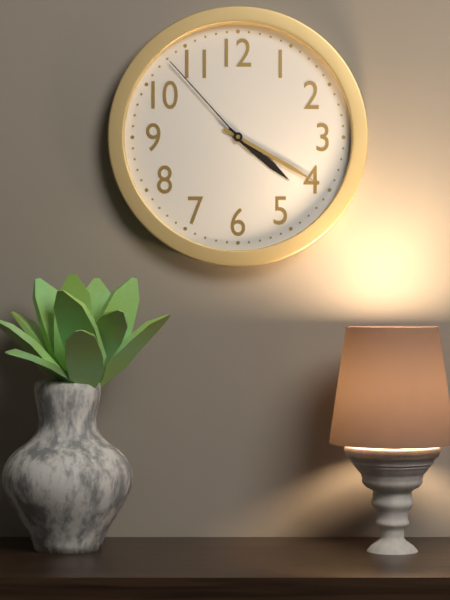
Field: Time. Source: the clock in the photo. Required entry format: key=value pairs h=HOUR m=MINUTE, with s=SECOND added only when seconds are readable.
h=4 m=20 s=53
